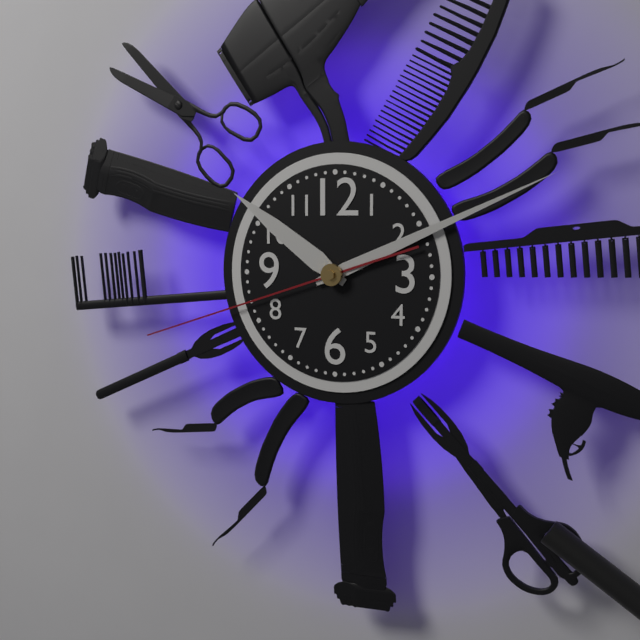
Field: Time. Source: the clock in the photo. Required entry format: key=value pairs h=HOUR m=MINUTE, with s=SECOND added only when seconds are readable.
h=10 m=11 s=42
